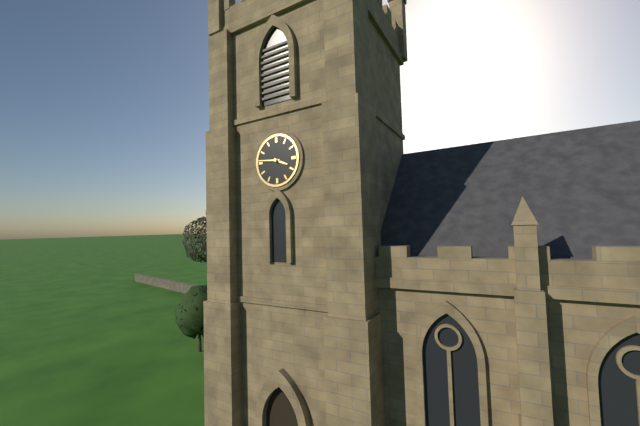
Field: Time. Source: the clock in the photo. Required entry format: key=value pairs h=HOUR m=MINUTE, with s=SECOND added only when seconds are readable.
h=3 m=46
